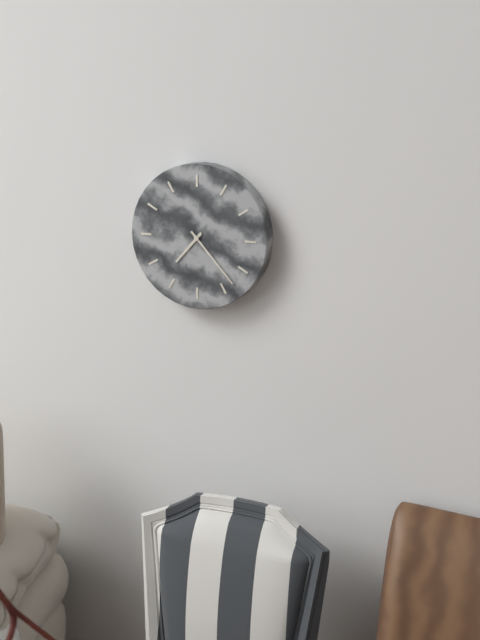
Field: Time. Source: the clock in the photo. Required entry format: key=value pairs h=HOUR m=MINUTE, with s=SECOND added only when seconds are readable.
h=7 m=23
